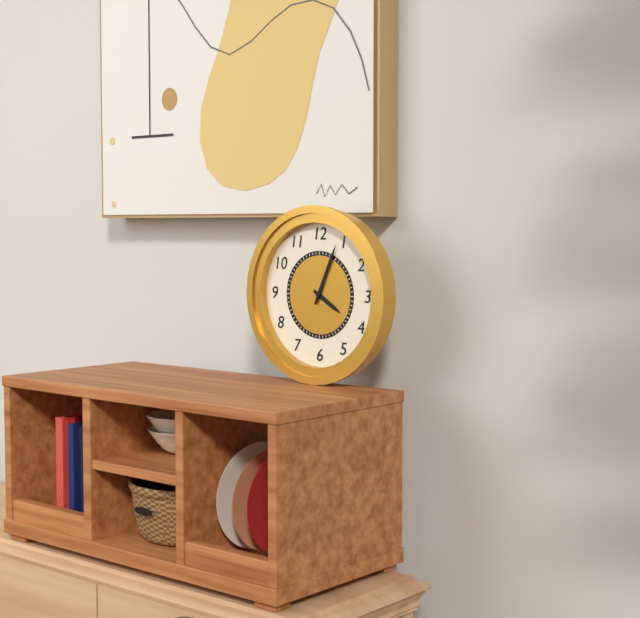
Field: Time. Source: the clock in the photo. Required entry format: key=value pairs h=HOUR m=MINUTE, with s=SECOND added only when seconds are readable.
h=4 m=4
